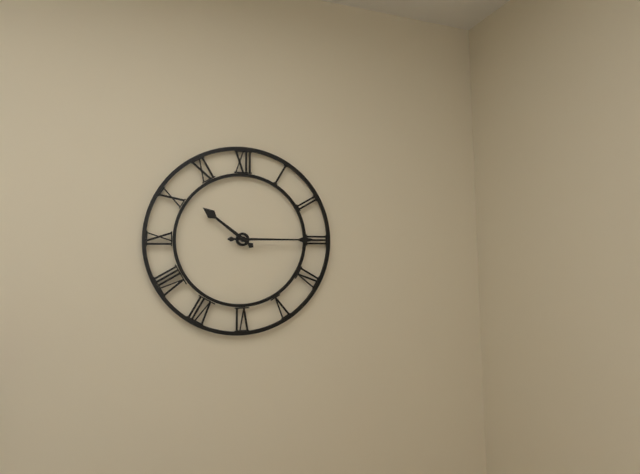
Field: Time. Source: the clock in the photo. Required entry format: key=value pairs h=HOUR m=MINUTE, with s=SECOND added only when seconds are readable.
h=10 m=15
